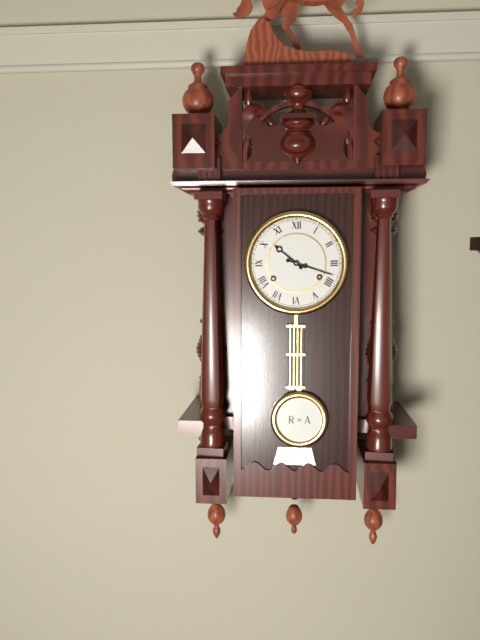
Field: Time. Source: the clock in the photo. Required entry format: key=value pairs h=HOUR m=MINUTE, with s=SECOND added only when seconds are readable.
h=10 m=18
